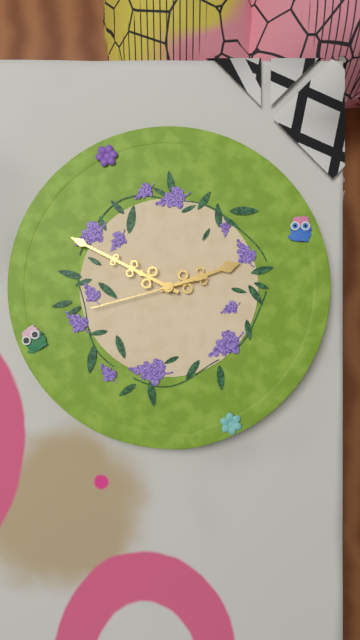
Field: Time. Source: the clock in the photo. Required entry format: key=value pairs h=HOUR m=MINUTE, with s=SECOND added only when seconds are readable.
h=2 m=52 s=45
